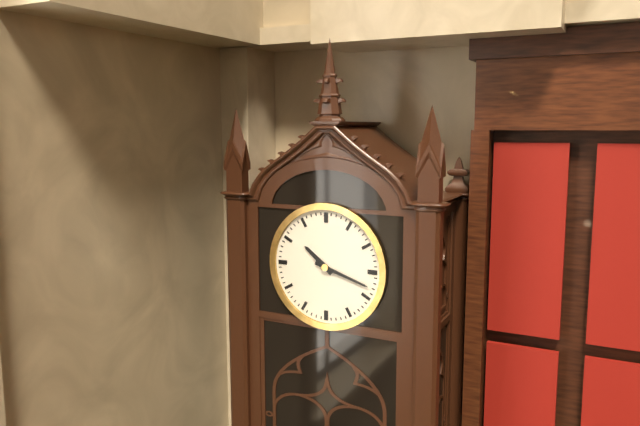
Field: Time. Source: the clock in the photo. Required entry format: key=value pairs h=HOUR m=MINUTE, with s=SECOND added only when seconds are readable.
h=10 m=18
